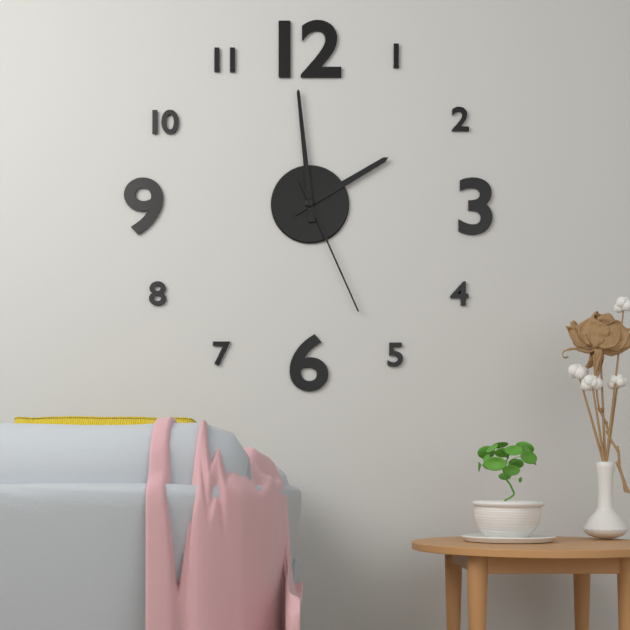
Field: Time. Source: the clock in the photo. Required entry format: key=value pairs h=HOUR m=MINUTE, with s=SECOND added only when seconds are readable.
h=1 m=59 s=26
